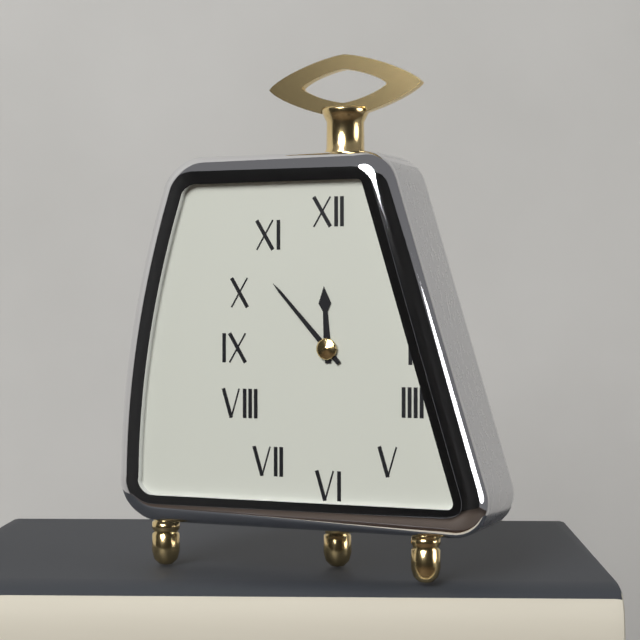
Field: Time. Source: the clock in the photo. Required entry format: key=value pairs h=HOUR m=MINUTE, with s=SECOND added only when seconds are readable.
h=11 m=53
